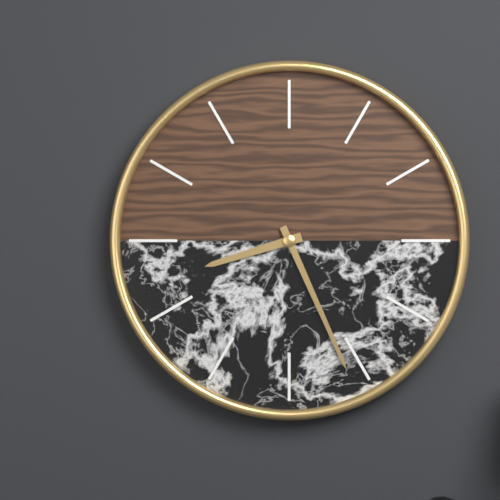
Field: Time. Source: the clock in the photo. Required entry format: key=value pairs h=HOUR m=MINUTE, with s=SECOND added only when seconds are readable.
h=8 m=26
